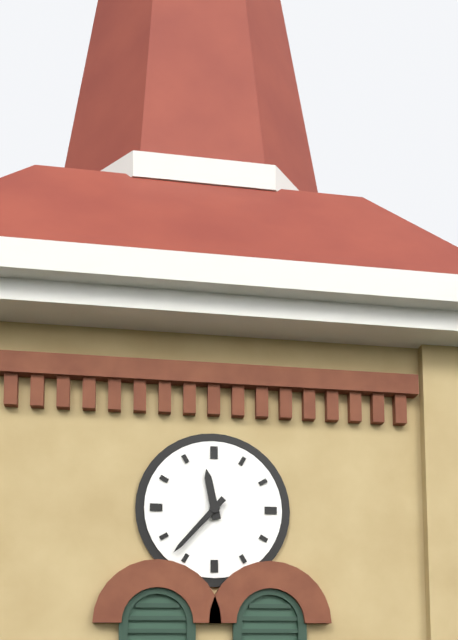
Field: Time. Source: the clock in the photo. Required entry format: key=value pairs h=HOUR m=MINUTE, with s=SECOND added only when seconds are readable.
h=11 m=37
